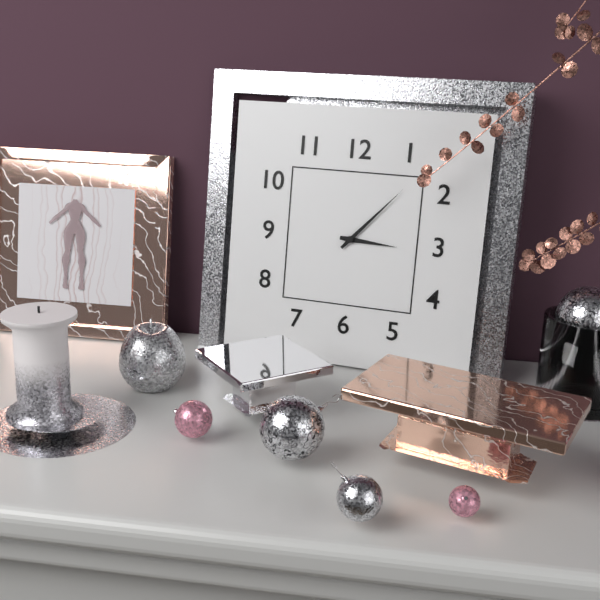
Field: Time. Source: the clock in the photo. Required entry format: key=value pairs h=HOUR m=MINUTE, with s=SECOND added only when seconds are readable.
h=3 m=7
